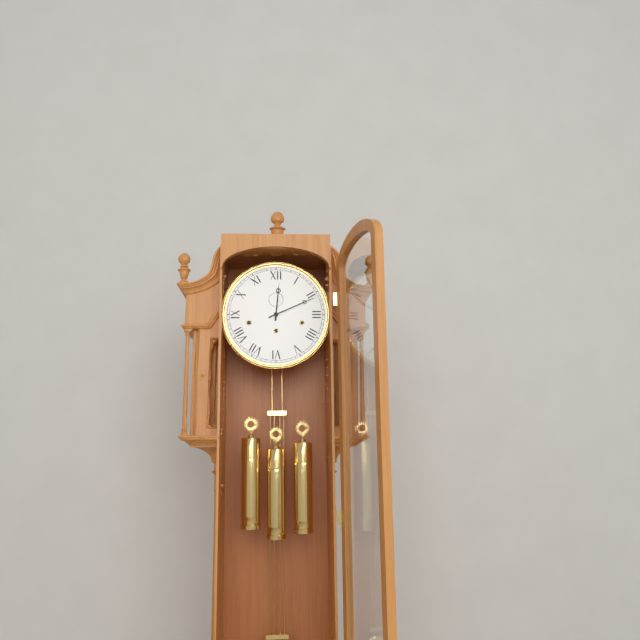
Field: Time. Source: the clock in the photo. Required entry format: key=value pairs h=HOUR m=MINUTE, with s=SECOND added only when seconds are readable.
h=12 m=11
